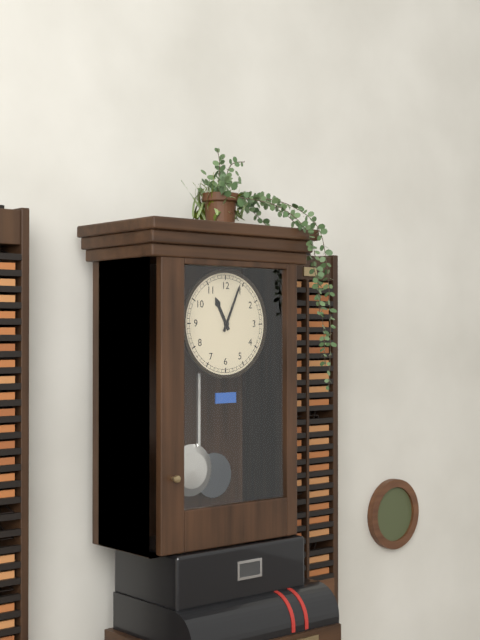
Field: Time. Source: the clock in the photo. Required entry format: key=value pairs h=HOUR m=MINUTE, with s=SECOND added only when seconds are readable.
h=11 m=4
